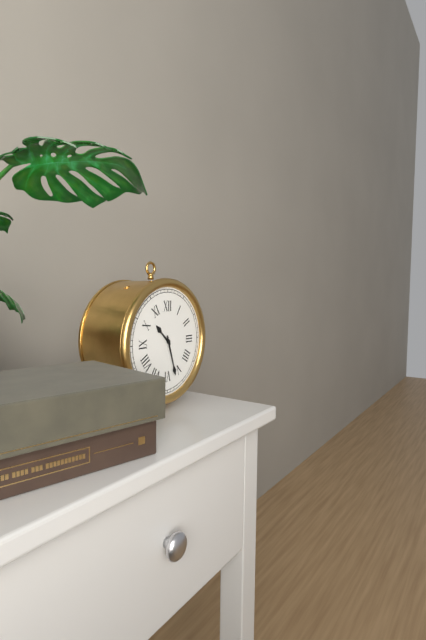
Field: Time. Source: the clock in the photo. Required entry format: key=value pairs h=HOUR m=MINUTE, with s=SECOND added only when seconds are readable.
h=10 m=27
